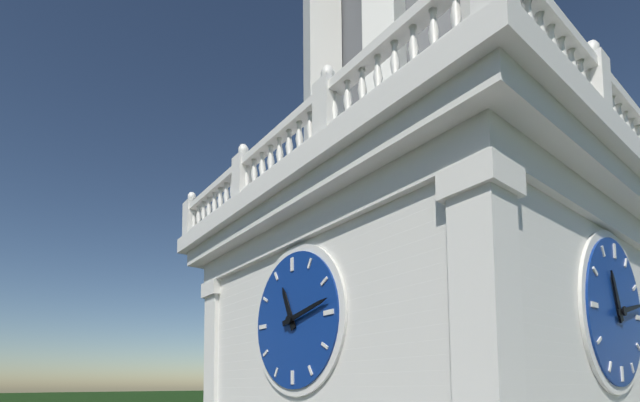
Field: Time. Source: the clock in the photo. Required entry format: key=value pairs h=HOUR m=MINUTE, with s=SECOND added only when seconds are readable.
h=11 m=13
